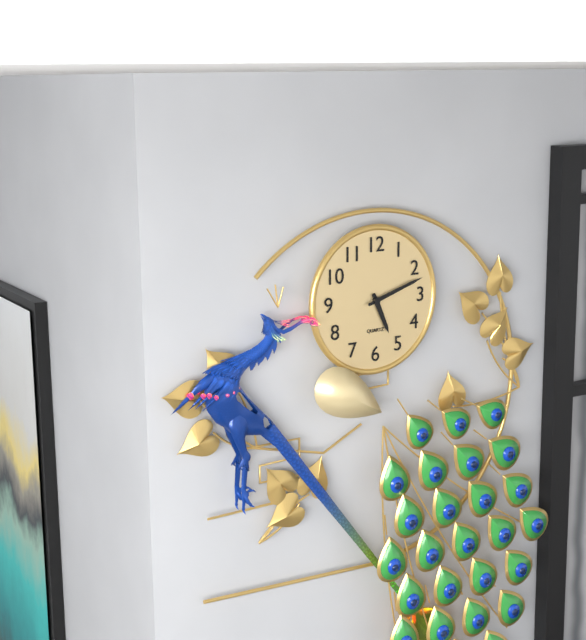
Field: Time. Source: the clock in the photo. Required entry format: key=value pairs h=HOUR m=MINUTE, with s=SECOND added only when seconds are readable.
h=5 m=12
